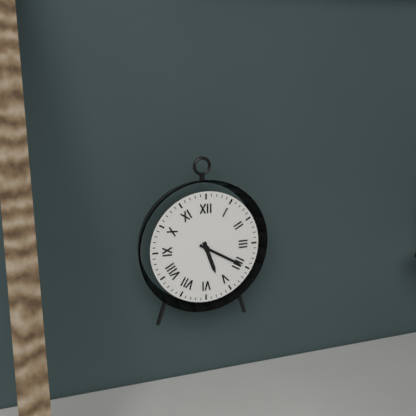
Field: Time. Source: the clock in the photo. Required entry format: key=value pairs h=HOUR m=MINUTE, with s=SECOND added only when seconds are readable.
h=5 m=20
